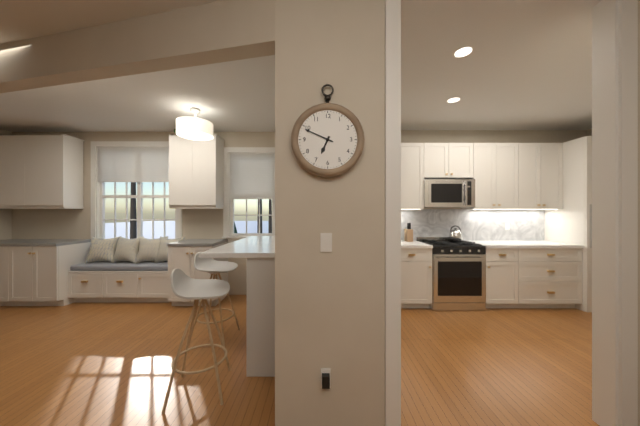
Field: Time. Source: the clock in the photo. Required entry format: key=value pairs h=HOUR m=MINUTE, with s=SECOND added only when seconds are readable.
h=6 m=49
